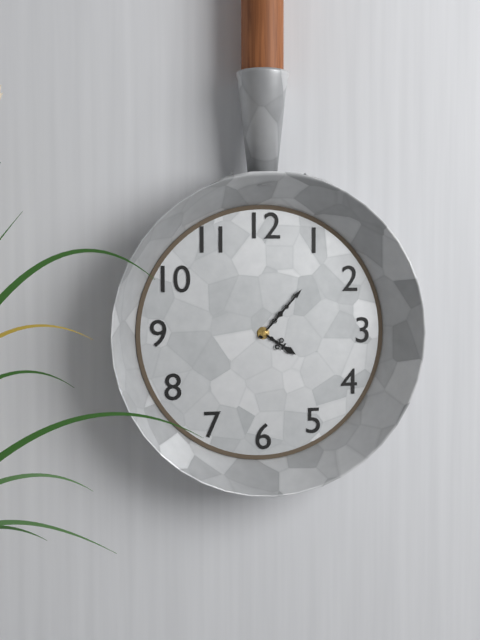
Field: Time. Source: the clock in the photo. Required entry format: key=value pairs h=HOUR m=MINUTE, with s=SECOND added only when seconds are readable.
h=4 m=7
